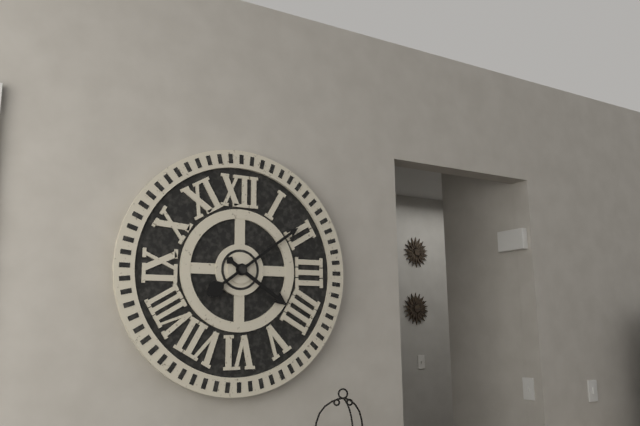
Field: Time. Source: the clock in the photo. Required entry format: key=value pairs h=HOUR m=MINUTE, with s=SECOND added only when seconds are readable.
h=4 m=9
